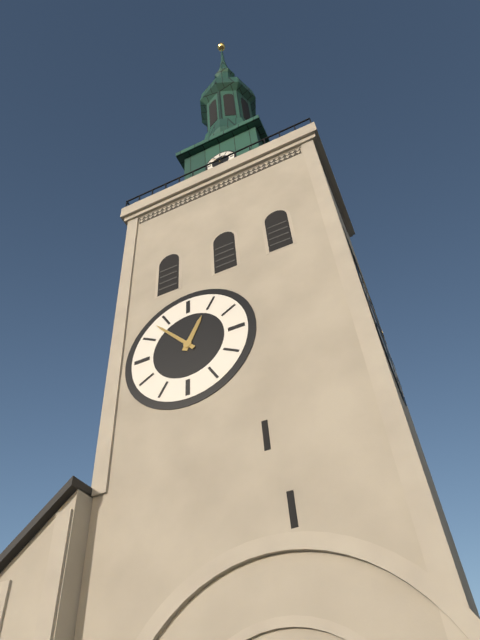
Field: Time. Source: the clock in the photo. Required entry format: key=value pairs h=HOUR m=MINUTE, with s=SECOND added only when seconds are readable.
h=12 m=53
